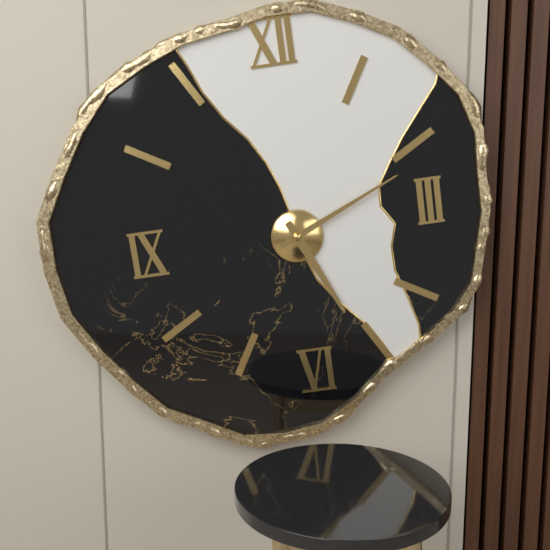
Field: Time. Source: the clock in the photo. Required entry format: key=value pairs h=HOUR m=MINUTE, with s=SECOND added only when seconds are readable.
h=5 m=11
